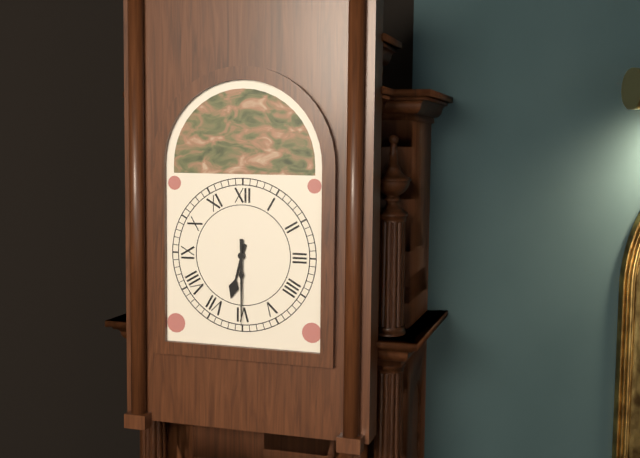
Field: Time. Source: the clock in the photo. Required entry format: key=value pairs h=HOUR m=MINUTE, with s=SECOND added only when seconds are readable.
h=6 m=30
